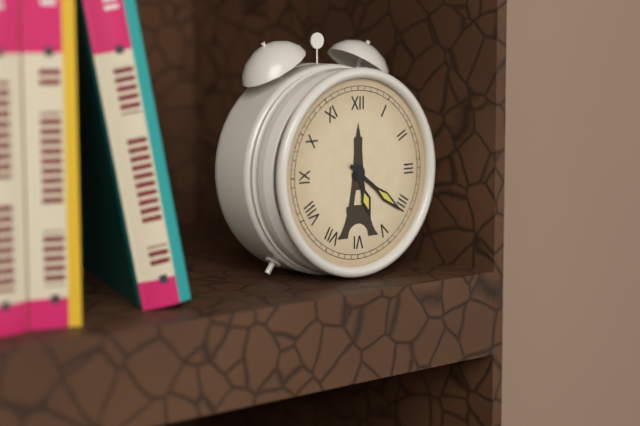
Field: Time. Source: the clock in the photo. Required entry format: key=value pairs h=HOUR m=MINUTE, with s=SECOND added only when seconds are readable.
h=5 m=21
